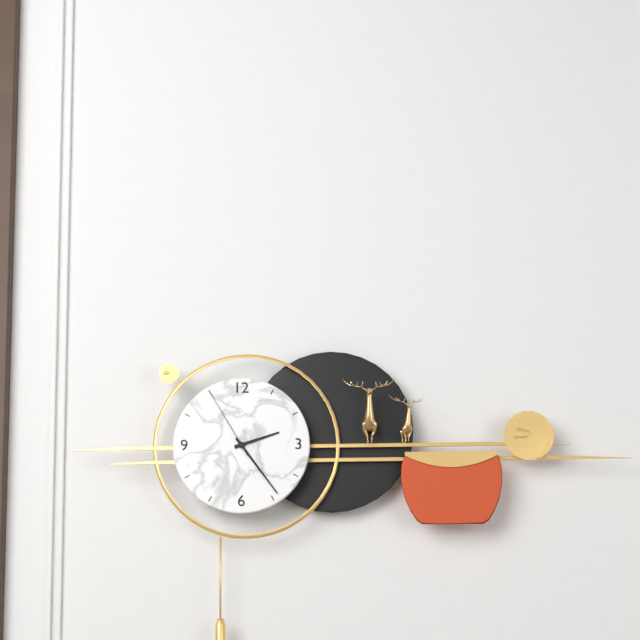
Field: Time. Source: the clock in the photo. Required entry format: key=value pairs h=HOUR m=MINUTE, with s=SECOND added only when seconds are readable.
h=2 m=24 s=55
